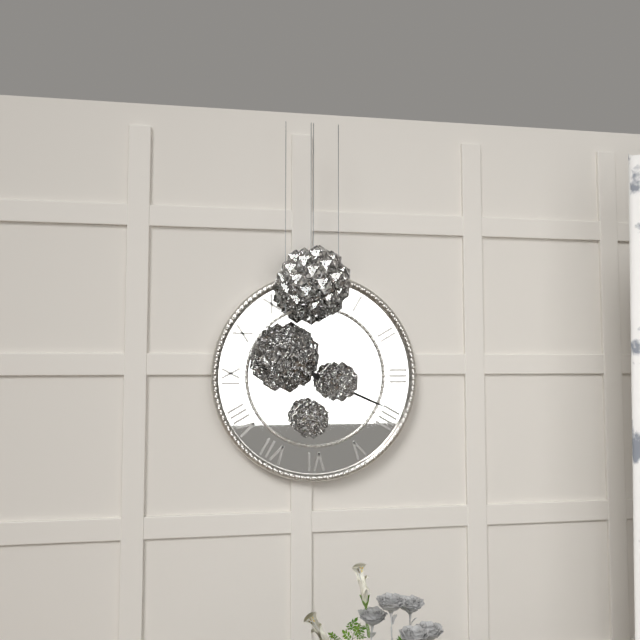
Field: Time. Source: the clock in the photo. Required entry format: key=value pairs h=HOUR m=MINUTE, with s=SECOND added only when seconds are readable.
h=10 m=19
